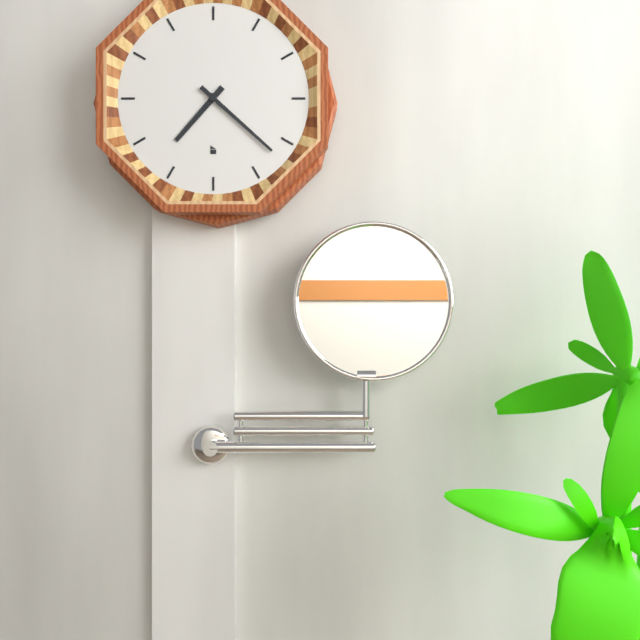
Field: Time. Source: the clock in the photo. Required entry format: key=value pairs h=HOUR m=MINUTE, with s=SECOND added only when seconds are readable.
h=7 m=22
